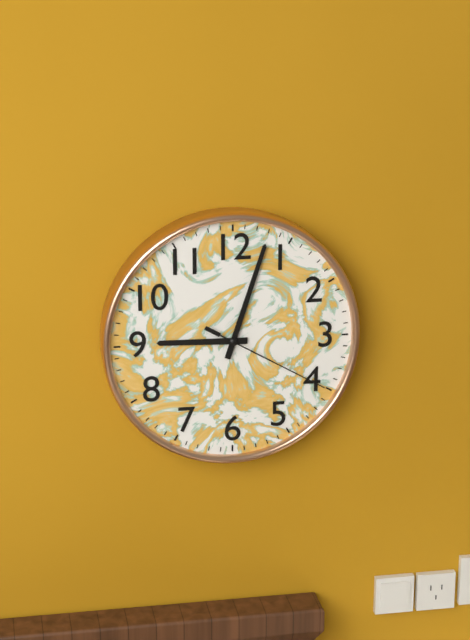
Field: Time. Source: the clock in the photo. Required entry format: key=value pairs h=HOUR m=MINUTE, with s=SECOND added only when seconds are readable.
h=9 m=3 s=20
